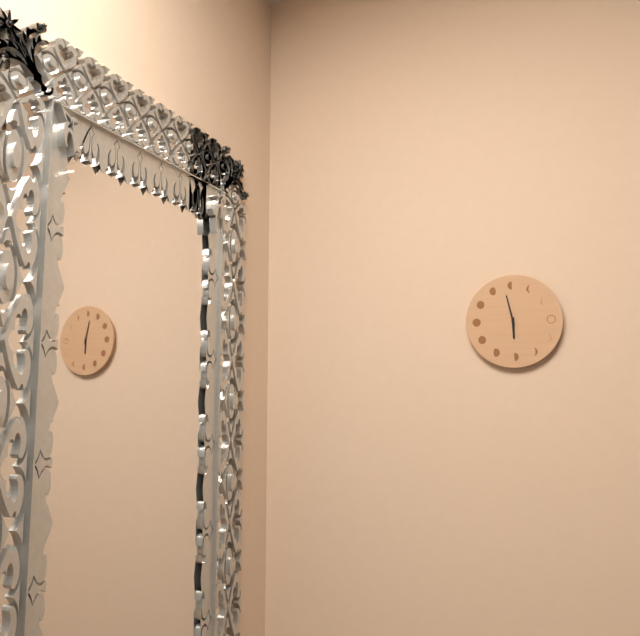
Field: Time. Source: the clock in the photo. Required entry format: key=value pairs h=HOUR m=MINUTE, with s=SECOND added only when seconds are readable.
h=5 m=58
